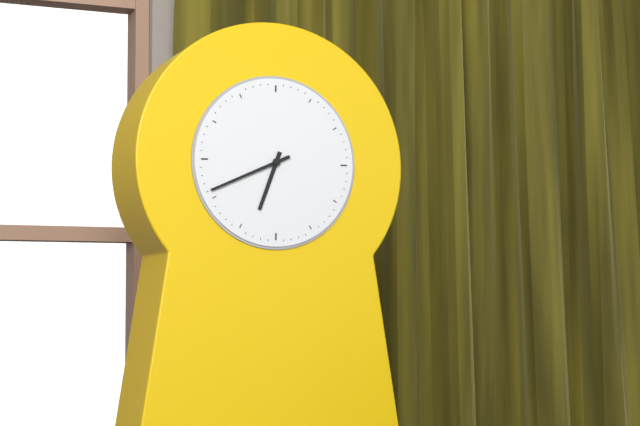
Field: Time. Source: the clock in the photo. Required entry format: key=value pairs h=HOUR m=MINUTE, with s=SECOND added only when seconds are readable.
h=6 m=41
